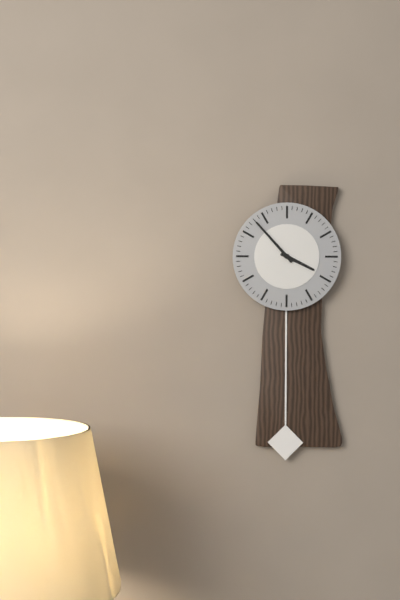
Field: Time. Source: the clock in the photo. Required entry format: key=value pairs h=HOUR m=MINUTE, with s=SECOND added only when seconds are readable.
h=3 m=53
